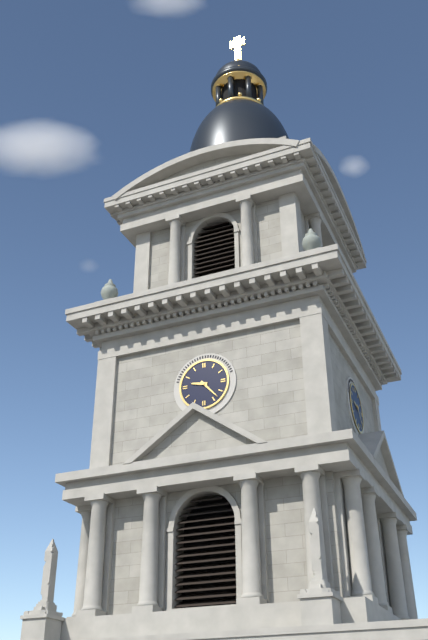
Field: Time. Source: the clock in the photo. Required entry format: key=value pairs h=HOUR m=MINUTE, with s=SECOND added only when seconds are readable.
h=9 m=23
